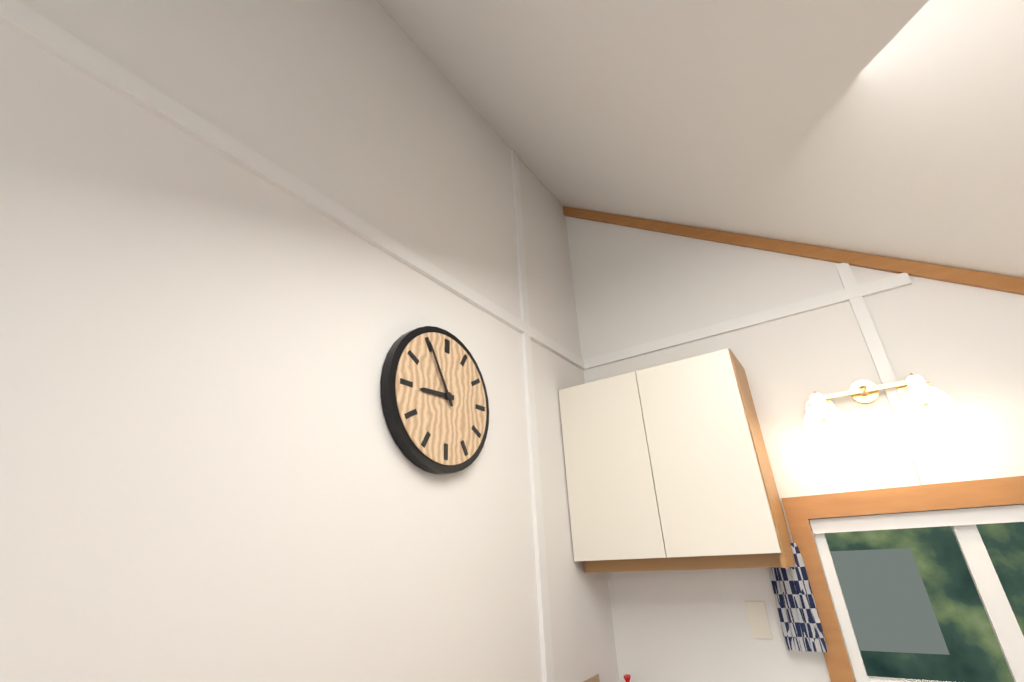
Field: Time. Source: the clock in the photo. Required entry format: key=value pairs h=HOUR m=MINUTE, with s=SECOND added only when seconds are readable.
h=8 m=55
